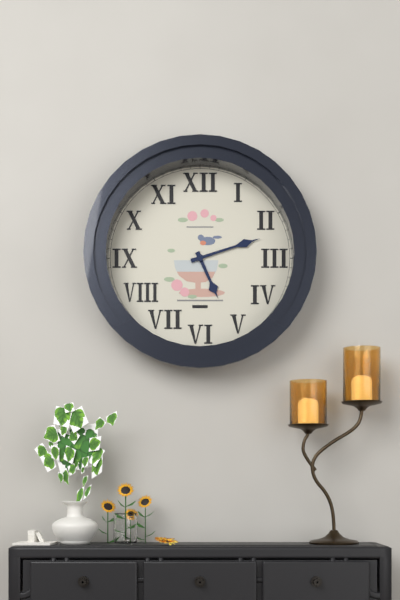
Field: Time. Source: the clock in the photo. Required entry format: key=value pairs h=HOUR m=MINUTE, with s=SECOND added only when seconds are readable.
h=5 m=12
